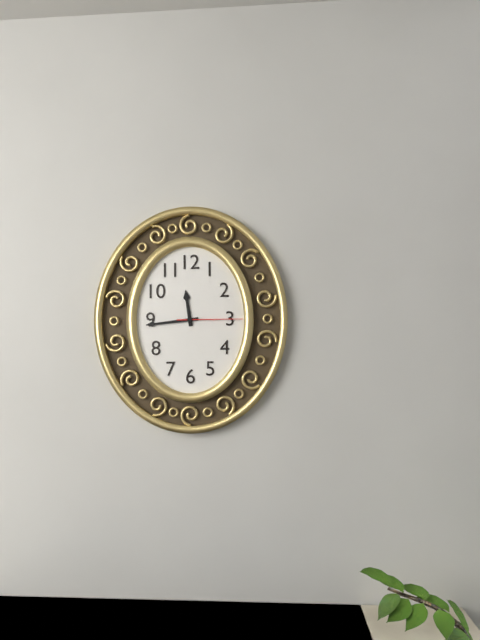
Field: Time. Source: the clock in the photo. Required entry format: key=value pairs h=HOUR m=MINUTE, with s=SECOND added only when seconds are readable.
h=11 m=44 s=15
